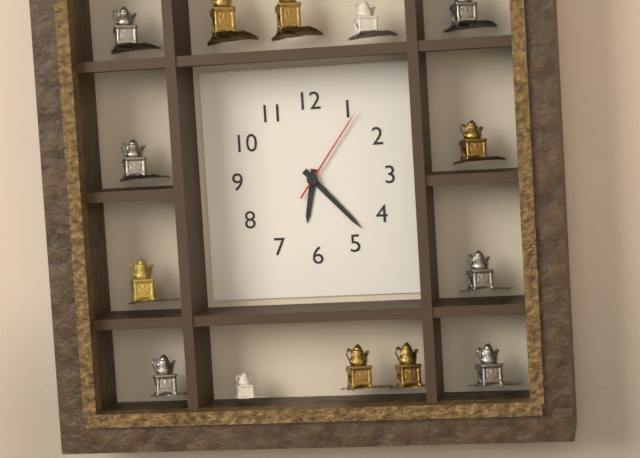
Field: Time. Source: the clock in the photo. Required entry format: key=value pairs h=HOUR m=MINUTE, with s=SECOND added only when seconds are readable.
h=6 m=23 s=6
